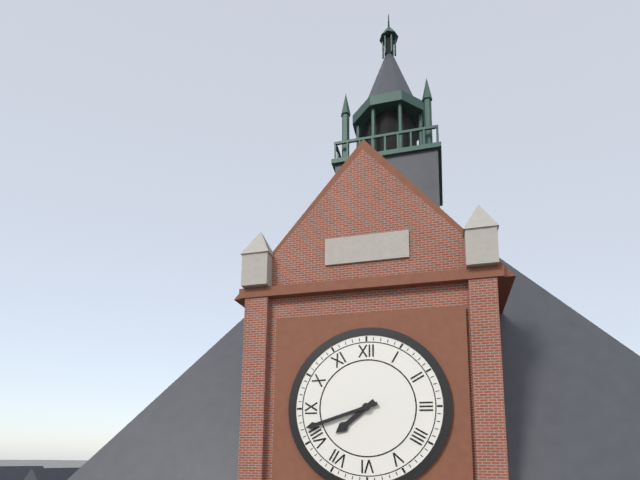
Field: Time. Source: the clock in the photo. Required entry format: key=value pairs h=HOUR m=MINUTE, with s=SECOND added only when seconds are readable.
h=7 m=42
